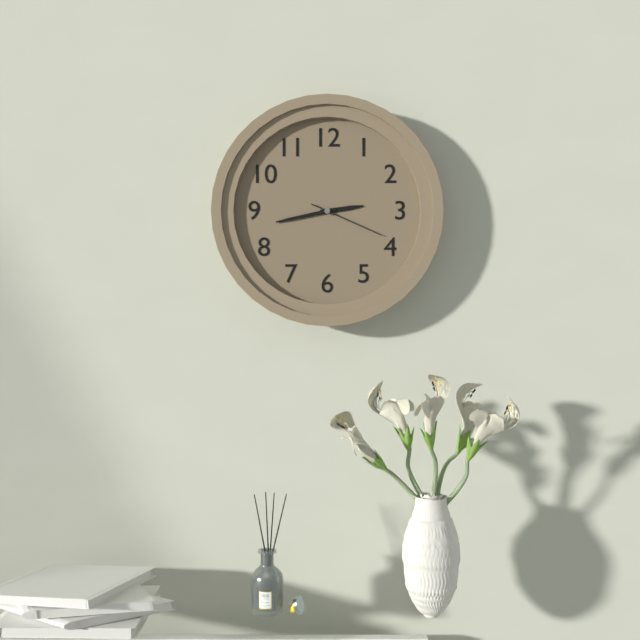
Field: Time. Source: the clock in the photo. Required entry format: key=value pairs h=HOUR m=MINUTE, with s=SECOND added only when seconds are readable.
h=2 m=43 s=19
